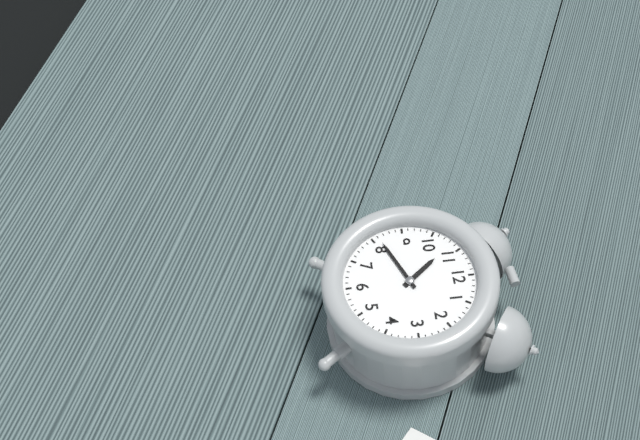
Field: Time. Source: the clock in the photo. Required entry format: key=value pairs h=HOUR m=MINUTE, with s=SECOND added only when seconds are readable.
h=10 m=41
